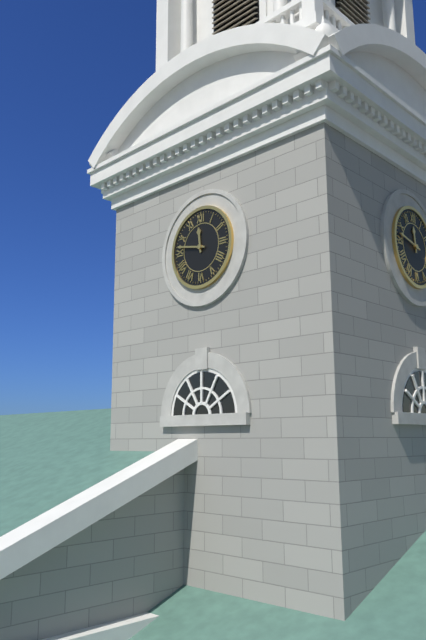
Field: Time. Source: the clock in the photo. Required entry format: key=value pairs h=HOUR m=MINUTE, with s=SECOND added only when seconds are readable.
h=11 m=47
